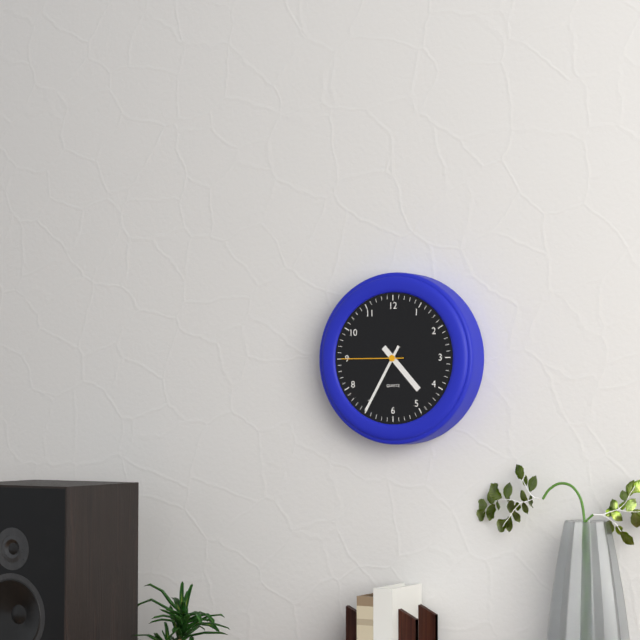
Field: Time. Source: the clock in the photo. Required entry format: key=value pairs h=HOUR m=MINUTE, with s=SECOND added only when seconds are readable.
h=4 m=35 s=45
